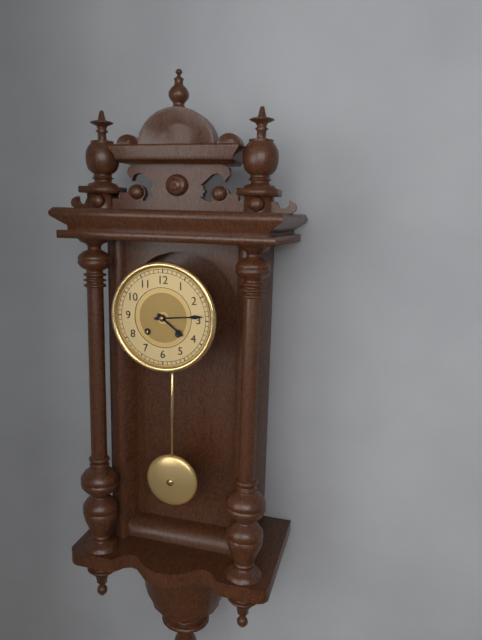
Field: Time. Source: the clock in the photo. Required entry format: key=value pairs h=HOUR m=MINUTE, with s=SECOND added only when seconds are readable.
h=4 m=14
